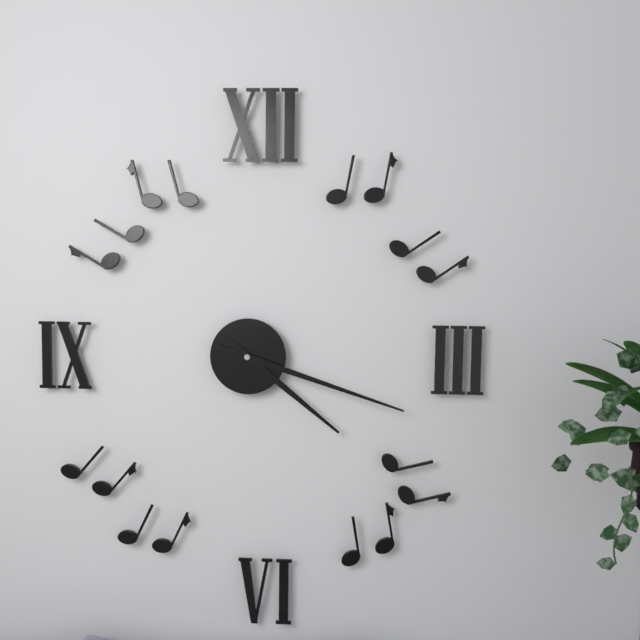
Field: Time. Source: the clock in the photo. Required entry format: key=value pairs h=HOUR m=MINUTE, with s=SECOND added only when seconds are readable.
h=4 m=18
